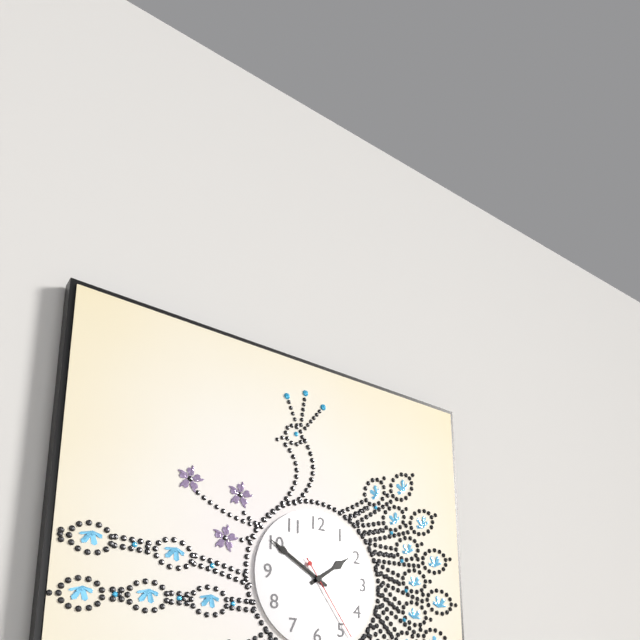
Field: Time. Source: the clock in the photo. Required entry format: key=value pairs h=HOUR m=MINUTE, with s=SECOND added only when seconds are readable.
h=1 m=50 s=24
